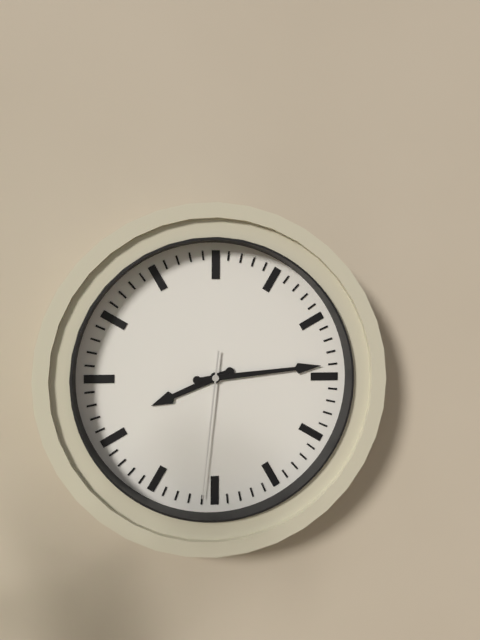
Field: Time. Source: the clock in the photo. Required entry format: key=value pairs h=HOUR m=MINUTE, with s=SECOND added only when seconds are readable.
h=8 m=14 s=31
